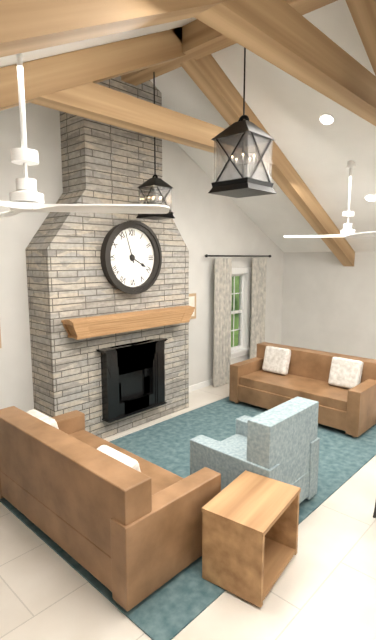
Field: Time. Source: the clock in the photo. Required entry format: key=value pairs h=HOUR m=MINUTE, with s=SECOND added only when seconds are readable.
h=3 m=57
